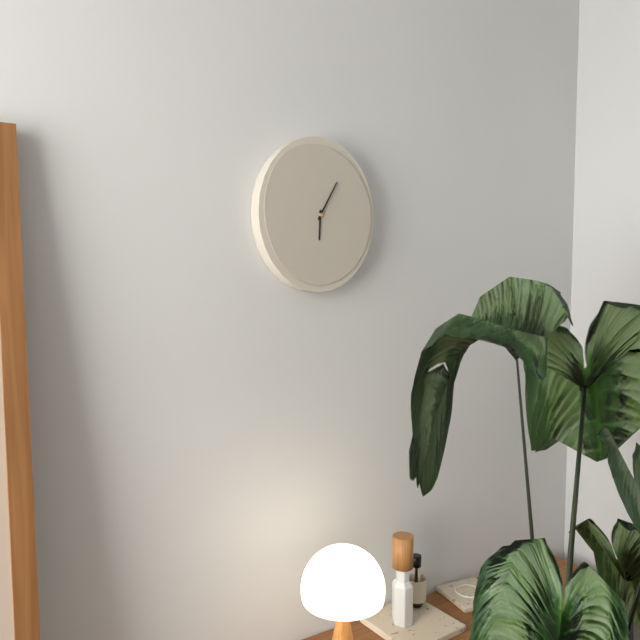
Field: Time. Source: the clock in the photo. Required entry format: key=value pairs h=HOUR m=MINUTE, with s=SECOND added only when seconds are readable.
h=6 m=5
